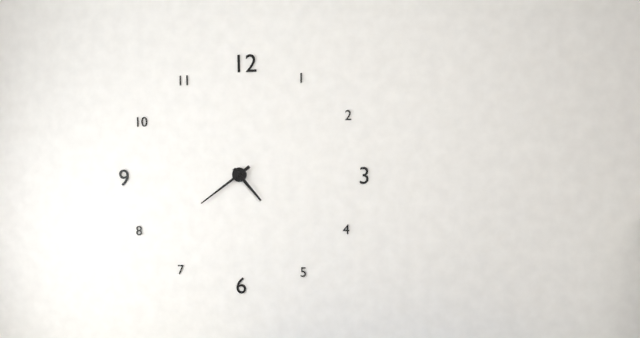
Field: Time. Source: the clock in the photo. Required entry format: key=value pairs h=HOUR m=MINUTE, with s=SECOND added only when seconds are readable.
h=4 m=39
